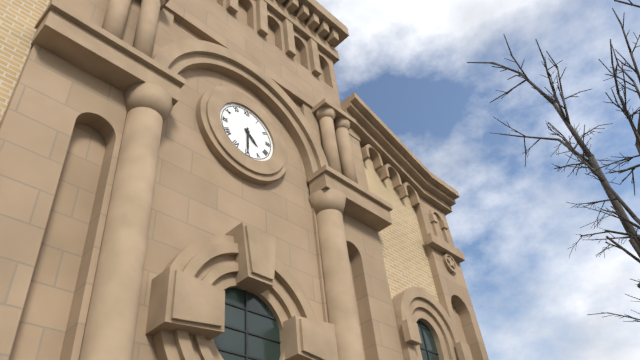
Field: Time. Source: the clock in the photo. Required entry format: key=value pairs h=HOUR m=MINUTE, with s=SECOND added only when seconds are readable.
h=4 m=30
